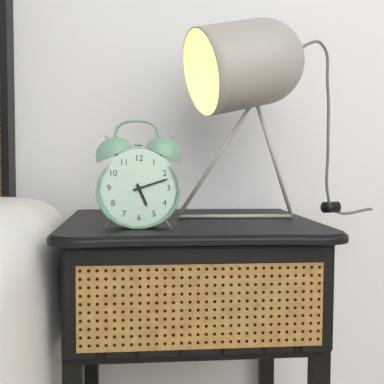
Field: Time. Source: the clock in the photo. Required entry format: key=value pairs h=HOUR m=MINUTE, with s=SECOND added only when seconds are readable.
h=5 m=12
